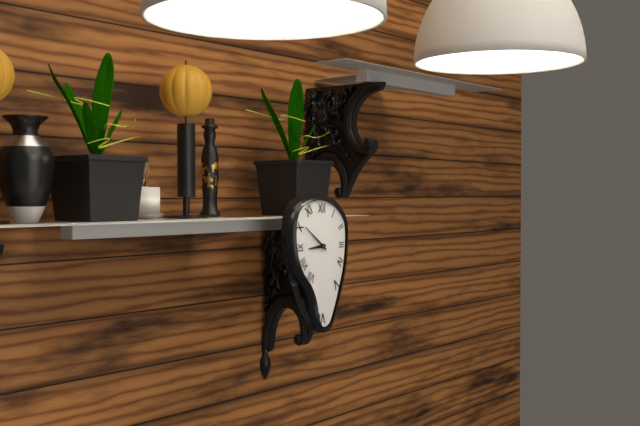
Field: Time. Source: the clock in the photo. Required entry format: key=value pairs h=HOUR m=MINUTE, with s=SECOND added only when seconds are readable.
h=8 m=51
